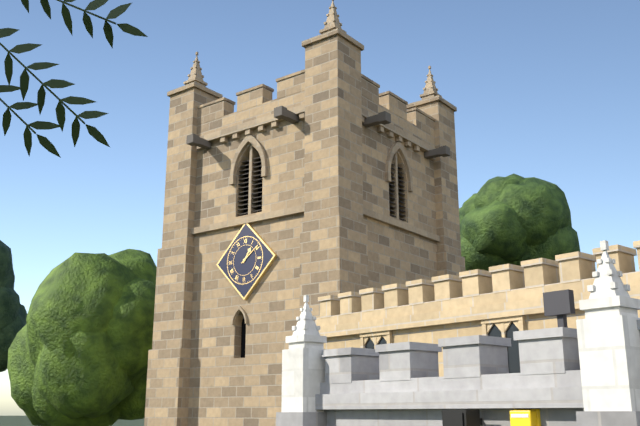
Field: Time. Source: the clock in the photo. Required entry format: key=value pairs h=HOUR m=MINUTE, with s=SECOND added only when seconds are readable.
h=1 m=9
